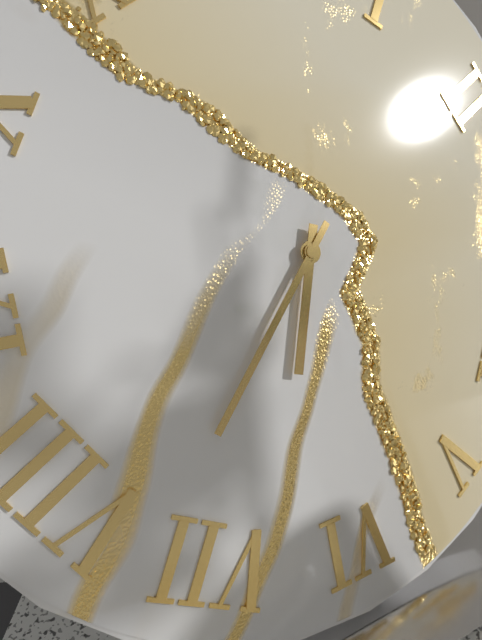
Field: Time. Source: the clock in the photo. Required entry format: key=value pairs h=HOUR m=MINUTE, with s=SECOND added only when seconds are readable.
h=6 m=37
